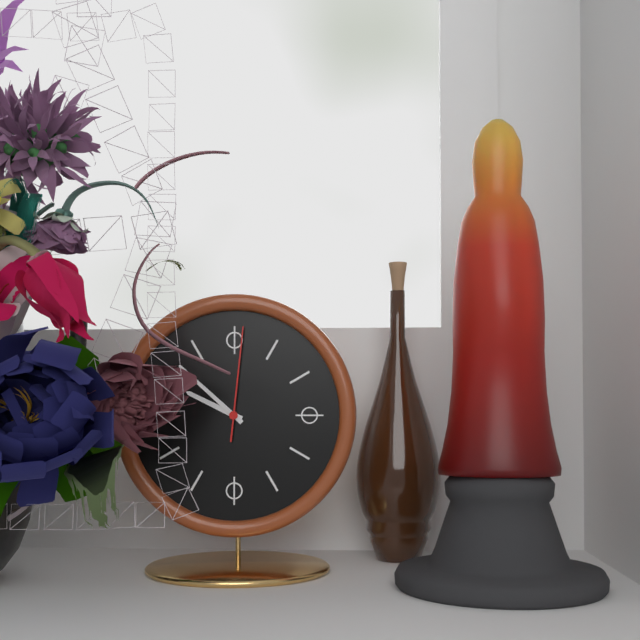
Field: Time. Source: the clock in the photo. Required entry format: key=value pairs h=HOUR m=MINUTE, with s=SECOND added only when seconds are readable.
h=9 m=52 s=1
